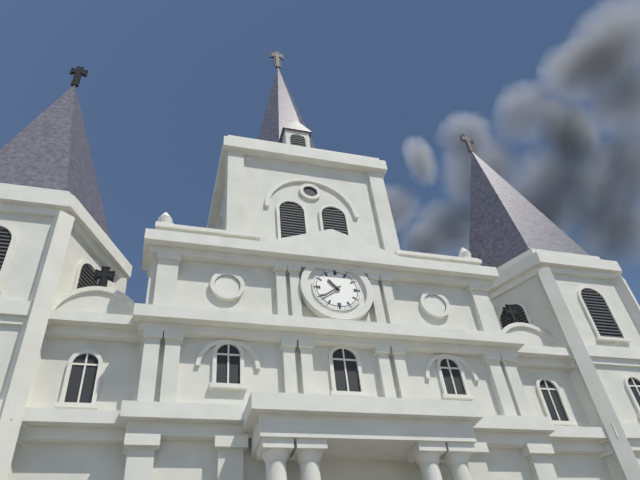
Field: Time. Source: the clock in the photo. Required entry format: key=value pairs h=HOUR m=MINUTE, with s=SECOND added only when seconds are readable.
h=10 m=39
